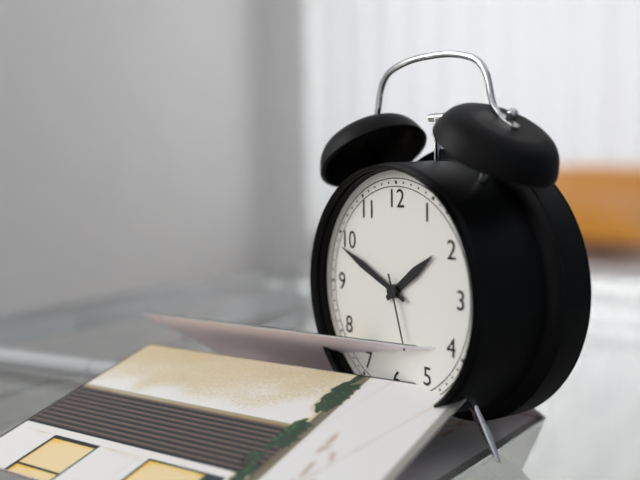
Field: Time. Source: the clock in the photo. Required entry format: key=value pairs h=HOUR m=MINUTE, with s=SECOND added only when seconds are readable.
h=1 m=49 s=27
